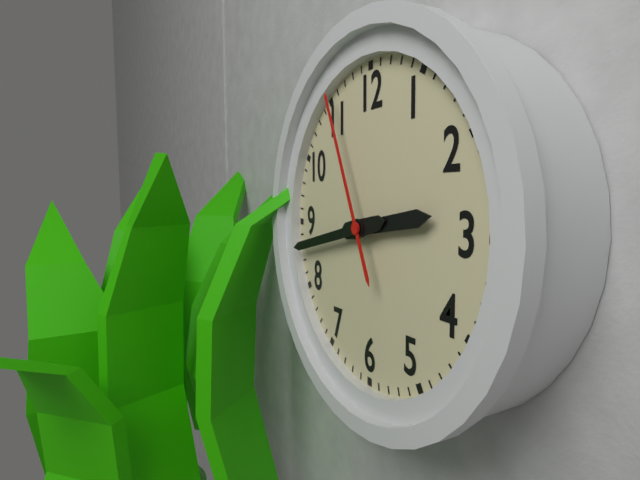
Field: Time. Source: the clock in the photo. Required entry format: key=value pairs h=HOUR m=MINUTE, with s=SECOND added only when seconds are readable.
h=2 m=43 s=56
